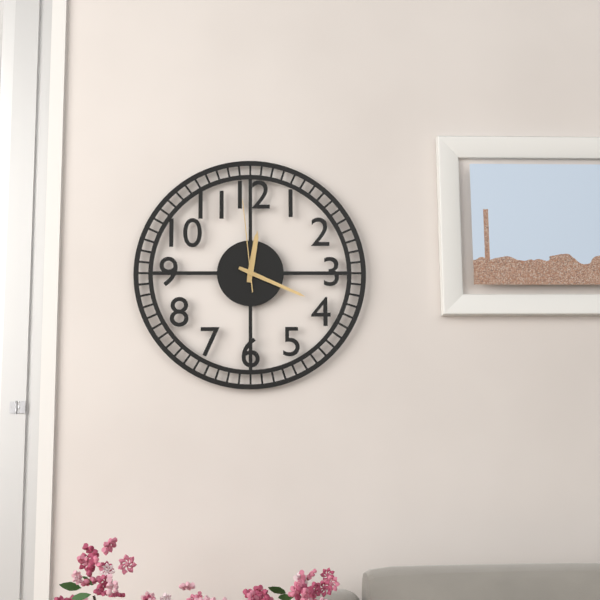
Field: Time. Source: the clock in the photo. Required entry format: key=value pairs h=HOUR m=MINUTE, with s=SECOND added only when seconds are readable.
h=12 m=19 s=59
